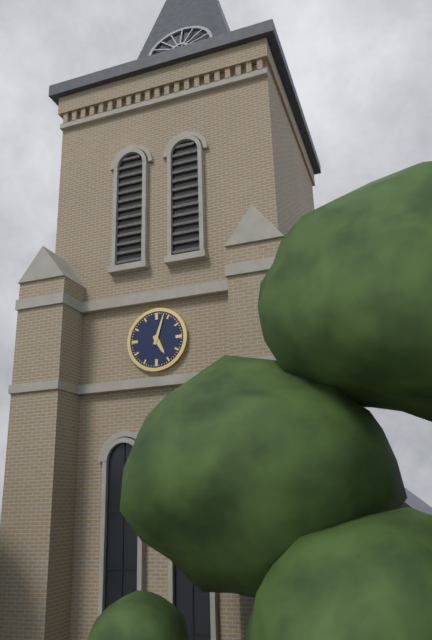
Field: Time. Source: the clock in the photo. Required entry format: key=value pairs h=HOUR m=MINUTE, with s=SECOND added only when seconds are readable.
h=5 m=3
